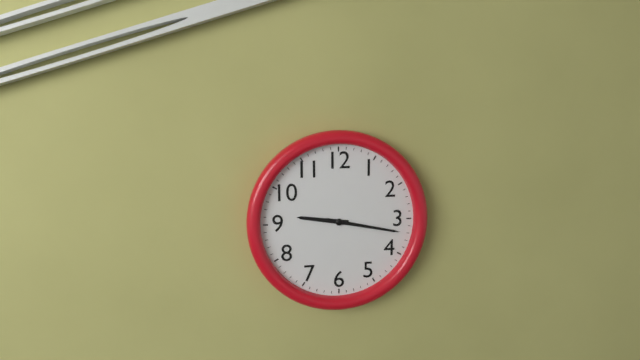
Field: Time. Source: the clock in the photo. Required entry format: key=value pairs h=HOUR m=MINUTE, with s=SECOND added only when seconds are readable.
h=9 m=17
